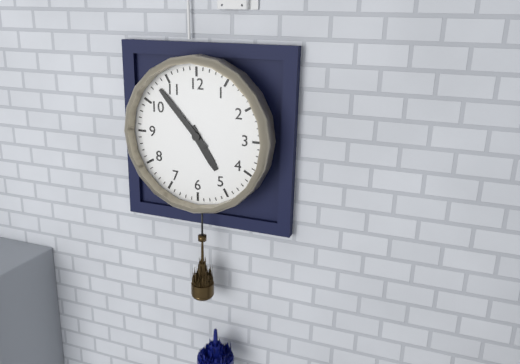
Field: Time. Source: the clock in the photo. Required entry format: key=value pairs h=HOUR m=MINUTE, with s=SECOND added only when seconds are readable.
h=4 m=53
